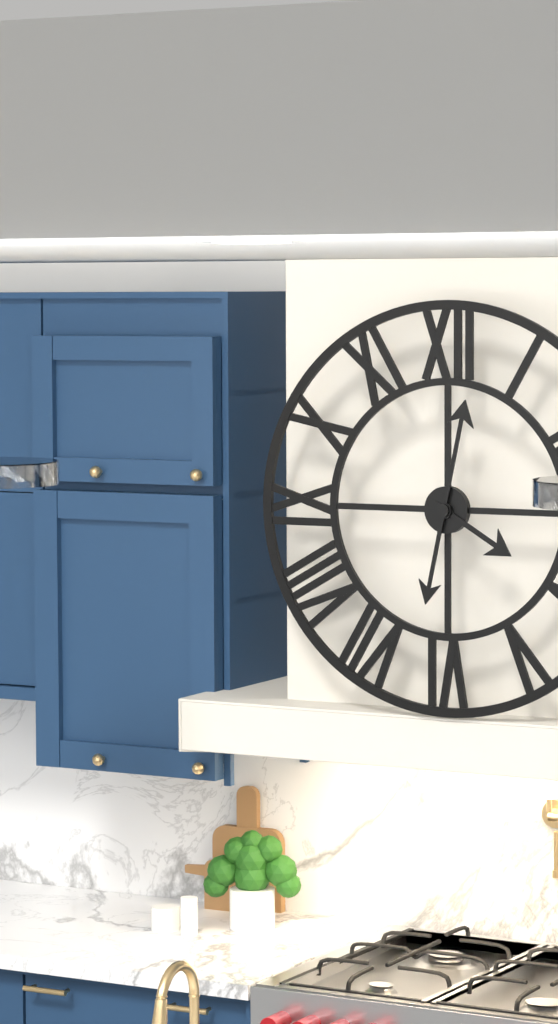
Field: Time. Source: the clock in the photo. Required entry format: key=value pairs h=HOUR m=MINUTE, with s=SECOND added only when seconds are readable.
h=4 m=2
